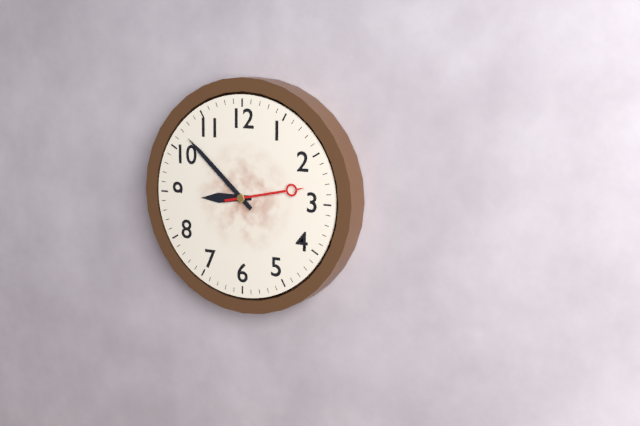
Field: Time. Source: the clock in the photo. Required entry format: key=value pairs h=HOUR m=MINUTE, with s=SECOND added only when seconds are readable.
h=8 m=52 s=13
